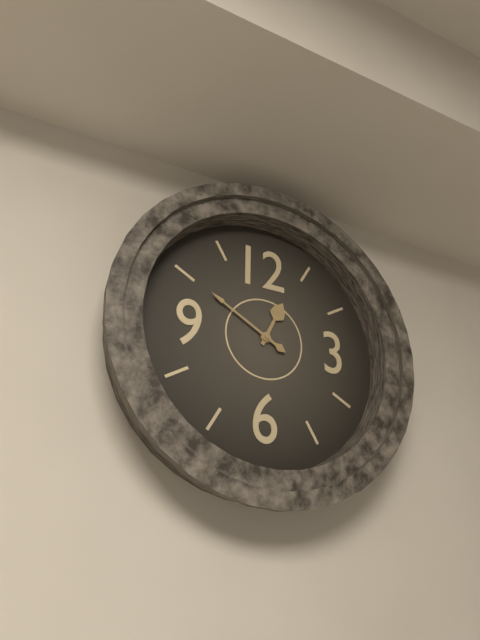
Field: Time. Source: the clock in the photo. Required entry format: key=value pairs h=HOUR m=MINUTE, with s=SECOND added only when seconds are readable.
h=12 m=50
